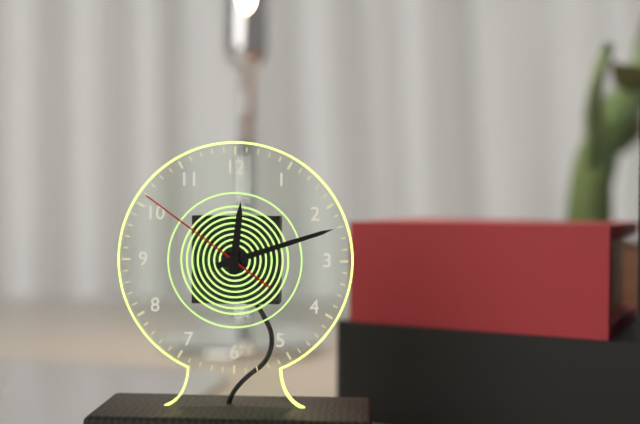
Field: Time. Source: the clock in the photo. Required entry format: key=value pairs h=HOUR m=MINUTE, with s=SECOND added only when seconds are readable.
h=12 m=12 s=51
